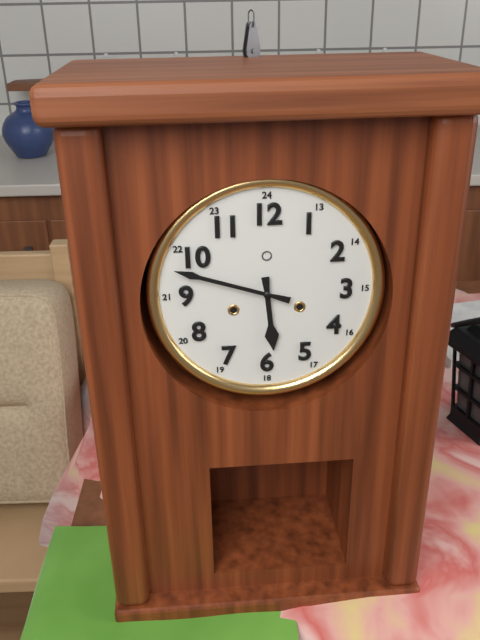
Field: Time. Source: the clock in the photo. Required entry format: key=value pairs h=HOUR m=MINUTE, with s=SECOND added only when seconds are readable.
h=5 m=48
